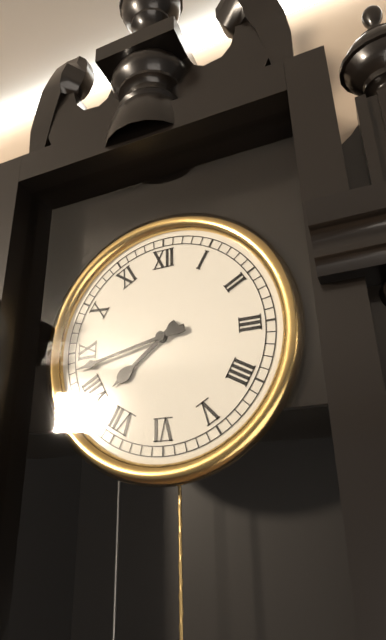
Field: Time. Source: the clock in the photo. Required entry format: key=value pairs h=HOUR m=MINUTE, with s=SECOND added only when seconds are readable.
h=7 m=43
